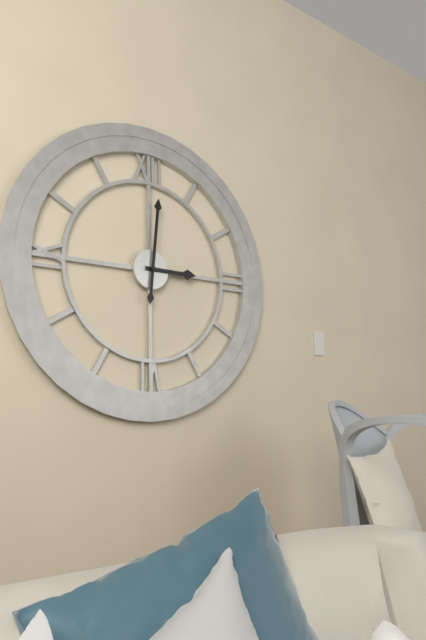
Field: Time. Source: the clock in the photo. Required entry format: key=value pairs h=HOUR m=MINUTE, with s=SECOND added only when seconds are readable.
h=3 m=1
